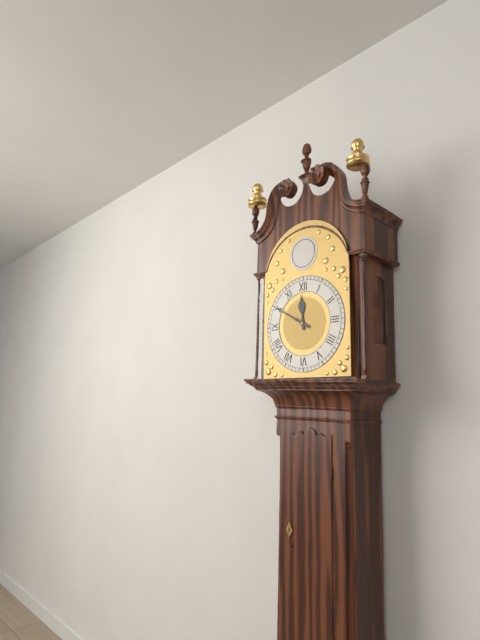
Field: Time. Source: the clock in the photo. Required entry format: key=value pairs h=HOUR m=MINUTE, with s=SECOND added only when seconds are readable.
h=11 m=50
